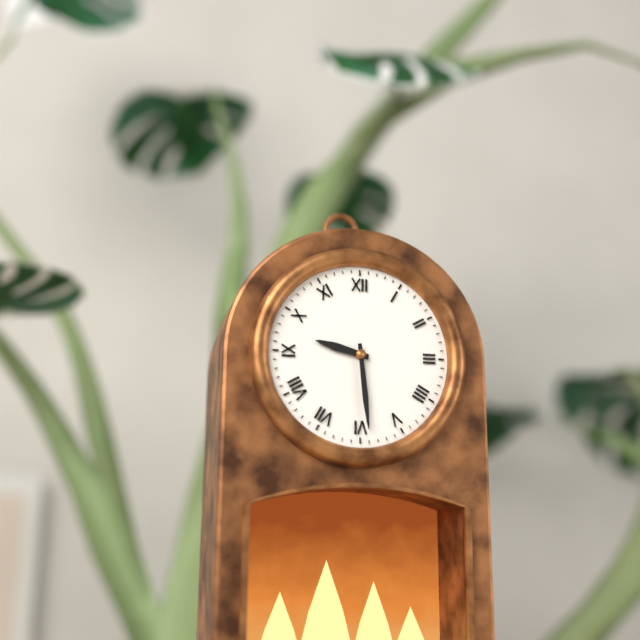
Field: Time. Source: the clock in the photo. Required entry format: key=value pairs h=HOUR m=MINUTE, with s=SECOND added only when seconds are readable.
h=9 m=29
